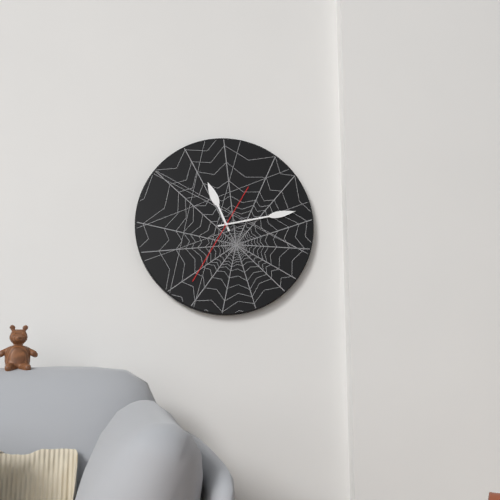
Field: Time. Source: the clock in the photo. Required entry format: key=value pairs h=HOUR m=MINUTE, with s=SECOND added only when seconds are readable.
h=11 m=13 s=35
